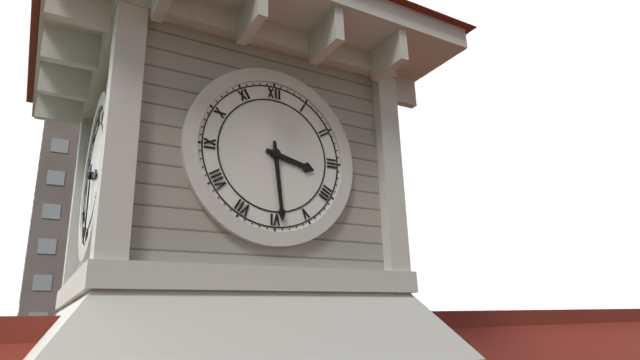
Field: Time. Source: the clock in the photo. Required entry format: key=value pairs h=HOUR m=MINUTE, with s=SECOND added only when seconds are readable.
h=3 m=29
